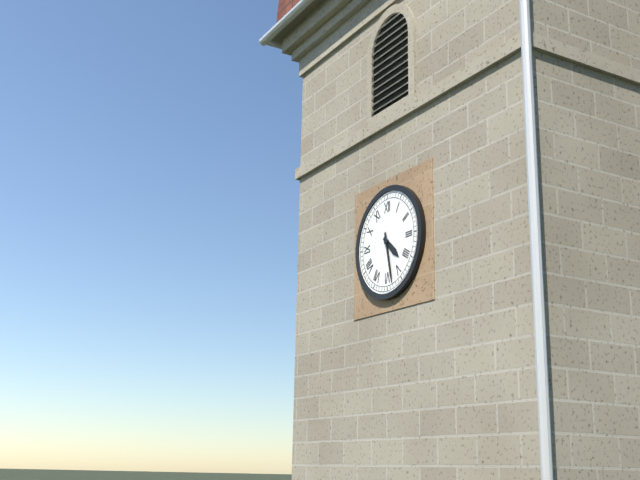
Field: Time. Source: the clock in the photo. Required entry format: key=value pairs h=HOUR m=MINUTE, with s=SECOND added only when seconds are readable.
h=4 m=28
